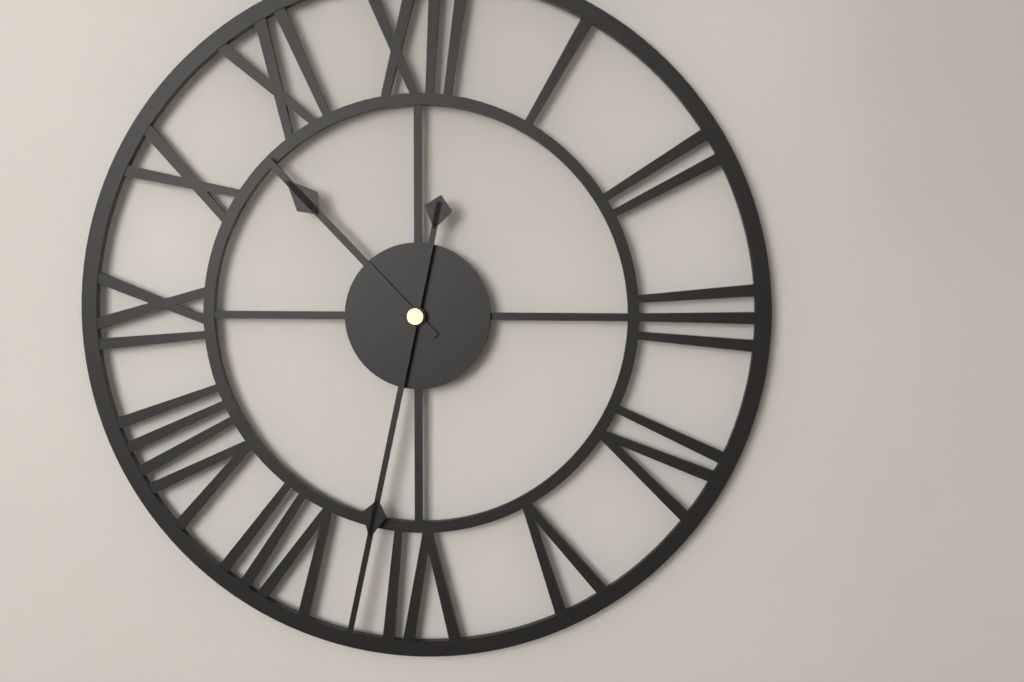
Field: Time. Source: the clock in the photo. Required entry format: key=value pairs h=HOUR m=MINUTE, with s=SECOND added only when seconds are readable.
h=10 m=32
